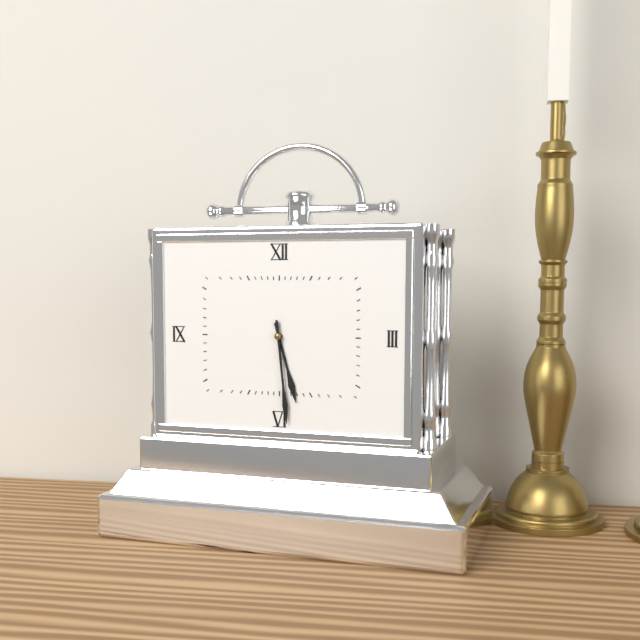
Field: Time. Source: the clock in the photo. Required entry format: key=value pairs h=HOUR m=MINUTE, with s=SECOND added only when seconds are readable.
h=5 m=29
